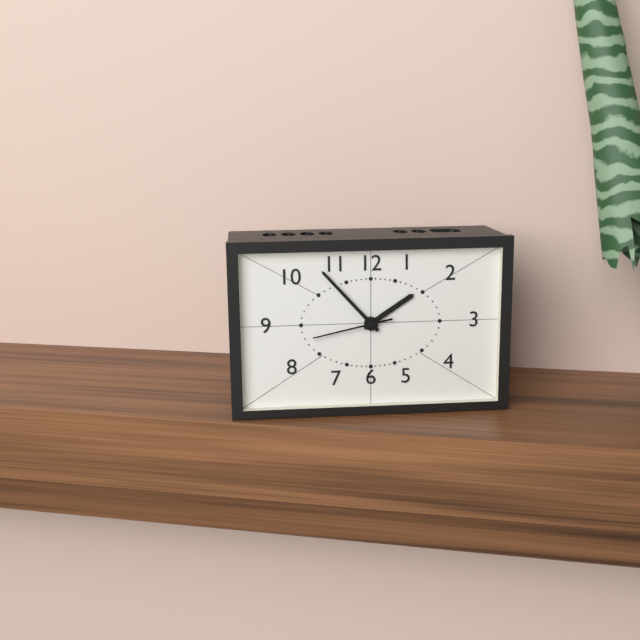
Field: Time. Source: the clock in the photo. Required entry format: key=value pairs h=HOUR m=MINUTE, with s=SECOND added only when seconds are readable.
h=1 m=53 s=43
